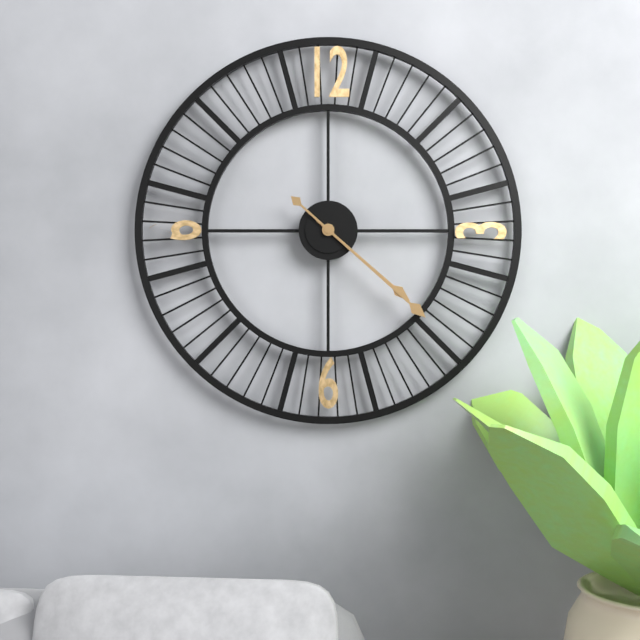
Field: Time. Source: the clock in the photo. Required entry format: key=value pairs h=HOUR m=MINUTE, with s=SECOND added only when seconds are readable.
h=4 m=22
